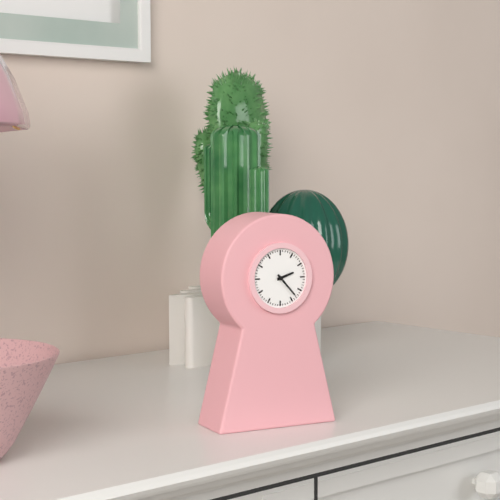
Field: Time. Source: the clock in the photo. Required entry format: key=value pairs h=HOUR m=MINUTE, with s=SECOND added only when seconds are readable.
h=2 m=23
